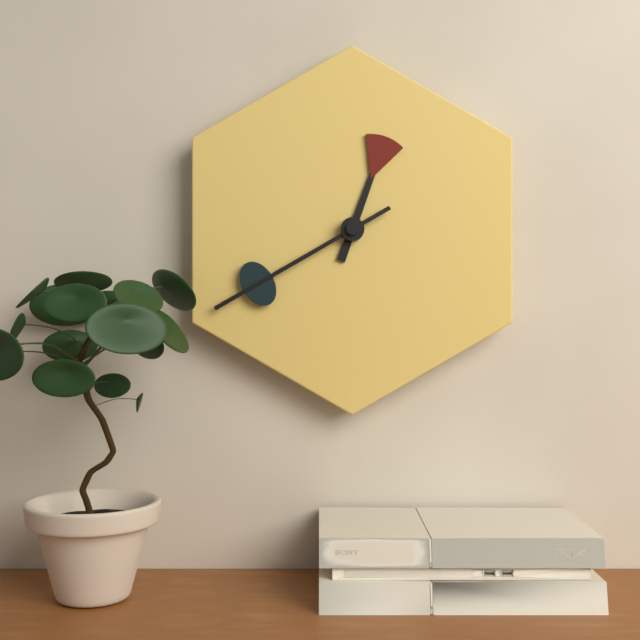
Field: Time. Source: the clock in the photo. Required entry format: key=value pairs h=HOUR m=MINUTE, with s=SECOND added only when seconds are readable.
h=12 m=40
